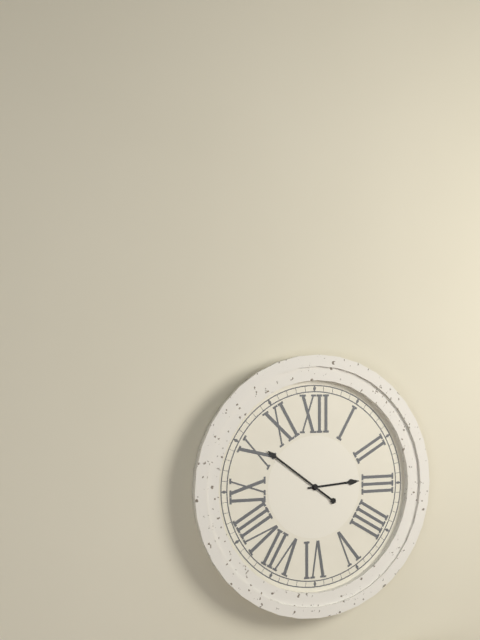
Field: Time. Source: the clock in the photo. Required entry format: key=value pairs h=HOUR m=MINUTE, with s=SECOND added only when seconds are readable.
h=2 m=51
